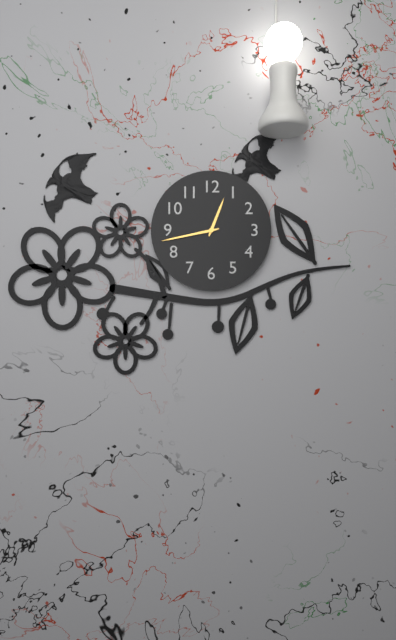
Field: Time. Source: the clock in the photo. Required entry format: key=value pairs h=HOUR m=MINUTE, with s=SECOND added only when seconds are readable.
h=12 m=43
